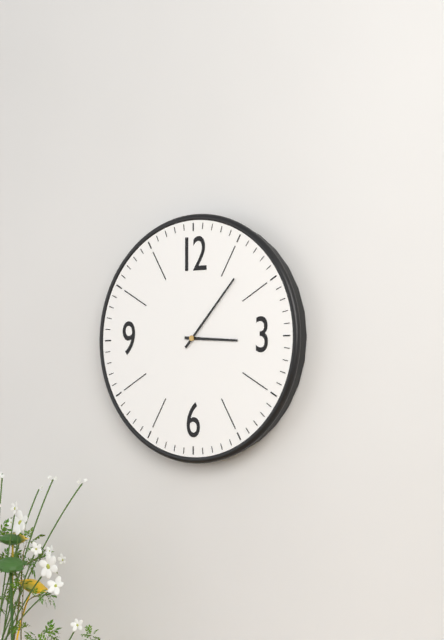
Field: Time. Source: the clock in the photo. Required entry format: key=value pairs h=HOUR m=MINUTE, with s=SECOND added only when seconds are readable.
h=3 m=7
